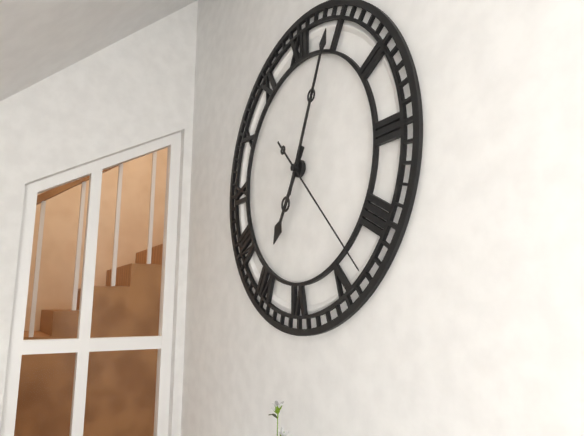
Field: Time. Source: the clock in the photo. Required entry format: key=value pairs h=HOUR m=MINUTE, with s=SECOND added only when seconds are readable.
h=7 m=4 s=23
